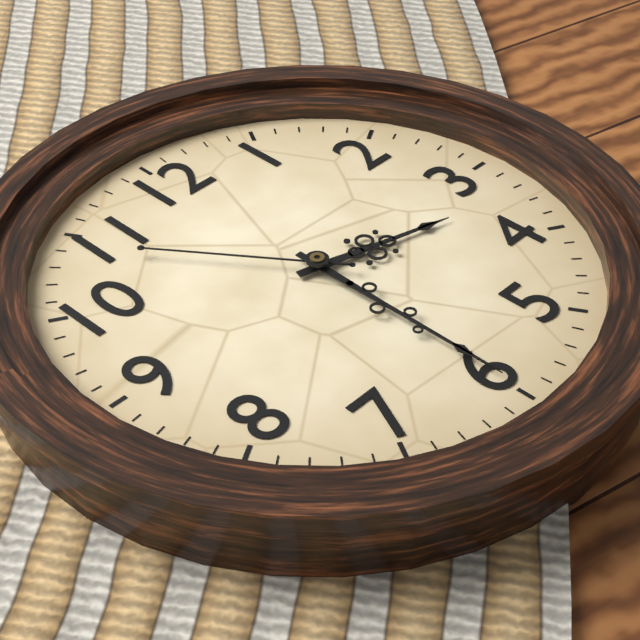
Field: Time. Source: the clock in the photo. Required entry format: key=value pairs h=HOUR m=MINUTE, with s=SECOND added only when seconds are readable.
h=3 m=30 s=54
